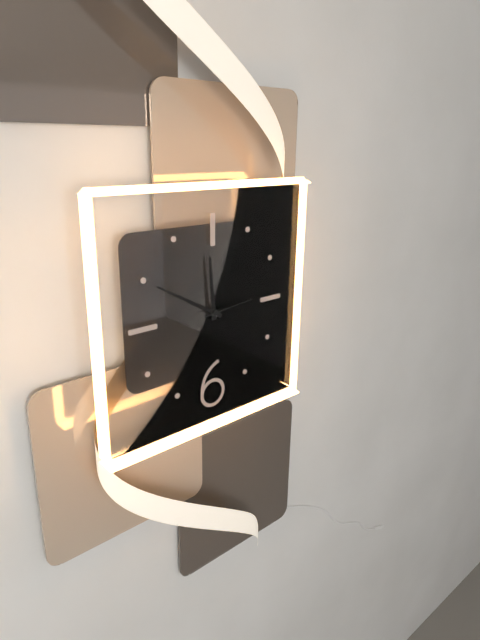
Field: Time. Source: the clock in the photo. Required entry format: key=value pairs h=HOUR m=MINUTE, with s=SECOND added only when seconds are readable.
h=11 m=50 s=14
